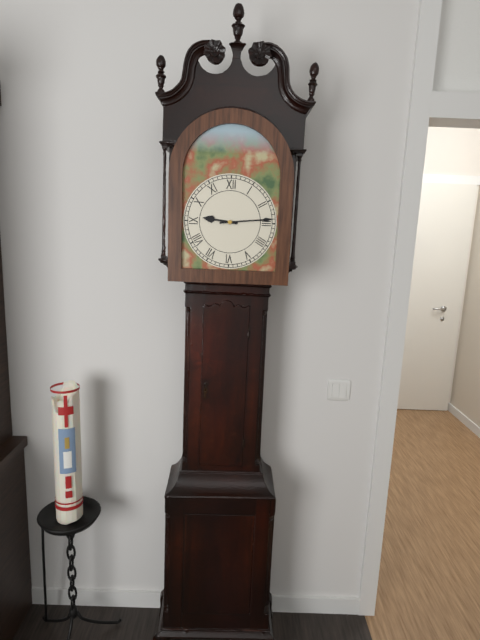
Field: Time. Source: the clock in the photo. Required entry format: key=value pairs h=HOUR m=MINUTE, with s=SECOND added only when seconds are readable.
h=9 m=14
